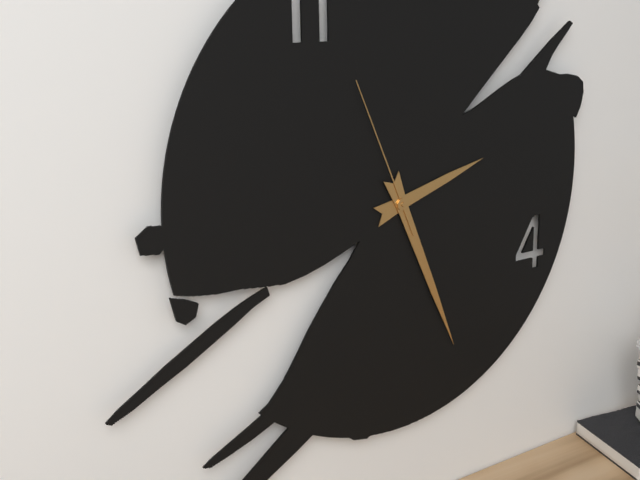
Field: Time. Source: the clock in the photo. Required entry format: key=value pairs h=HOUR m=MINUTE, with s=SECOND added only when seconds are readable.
h=2 m=26 s=56
